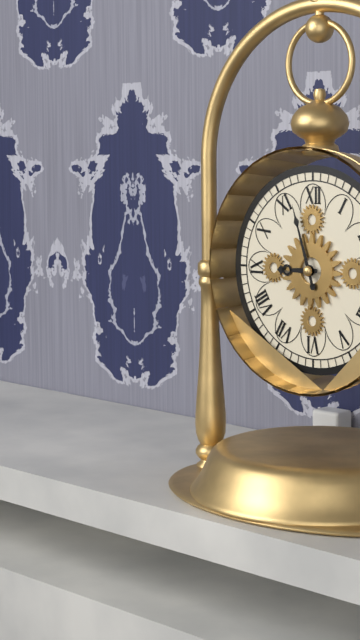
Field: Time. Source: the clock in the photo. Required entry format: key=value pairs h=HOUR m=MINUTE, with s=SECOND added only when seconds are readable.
h=8 m=57
